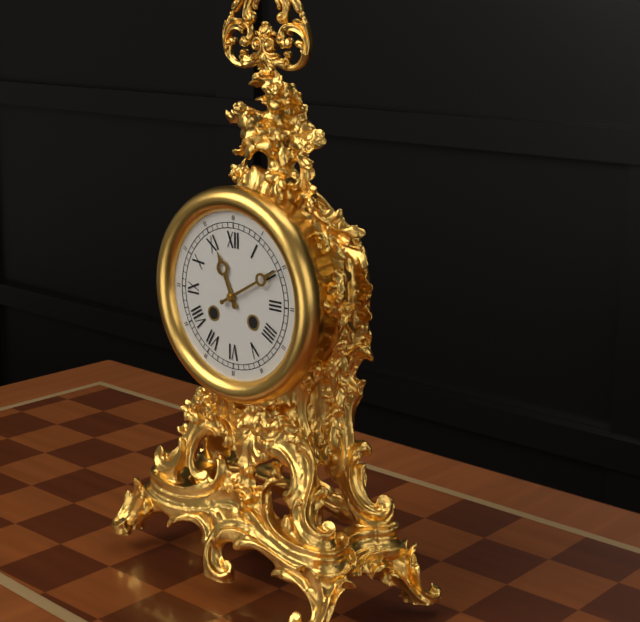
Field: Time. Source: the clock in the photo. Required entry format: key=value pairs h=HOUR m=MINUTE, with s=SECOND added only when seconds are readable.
h=11 m=10
